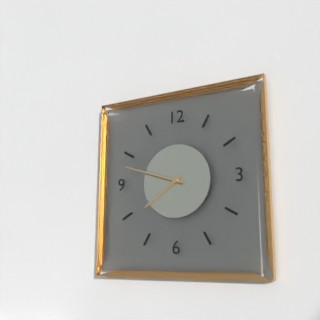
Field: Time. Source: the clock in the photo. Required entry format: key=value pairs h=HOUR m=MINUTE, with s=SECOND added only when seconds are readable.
h=7 m=48
